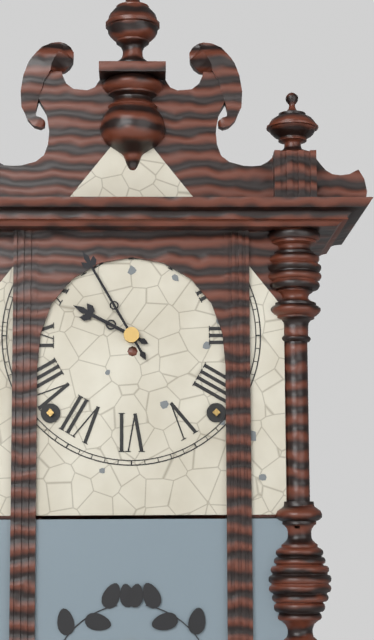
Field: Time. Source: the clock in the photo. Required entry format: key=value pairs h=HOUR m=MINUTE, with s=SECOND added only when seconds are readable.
h=9 m=55
